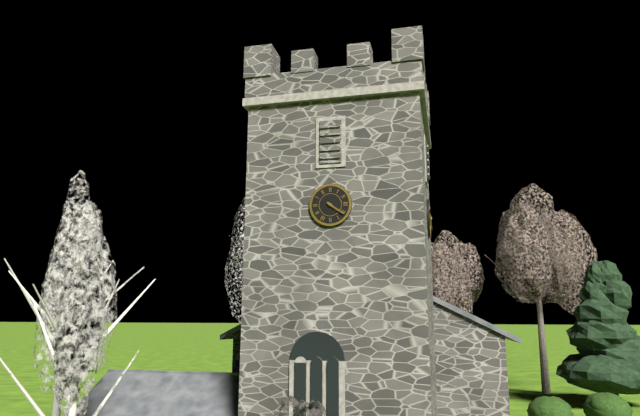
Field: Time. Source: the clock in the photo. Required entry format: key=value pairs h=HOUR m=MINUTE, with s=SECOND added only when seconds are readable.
h=4 m=21
